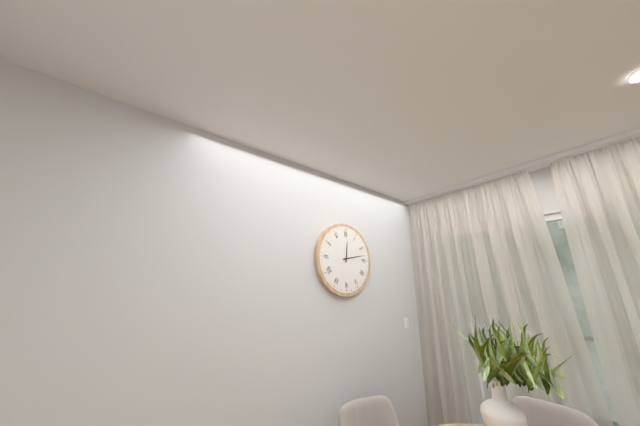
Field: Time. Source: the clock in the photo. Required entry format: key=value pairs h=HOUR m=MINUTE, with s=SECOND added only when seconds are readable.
h=12 m=13
